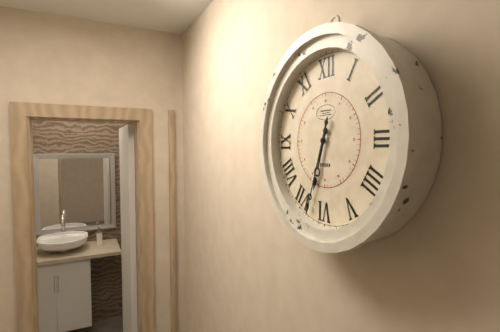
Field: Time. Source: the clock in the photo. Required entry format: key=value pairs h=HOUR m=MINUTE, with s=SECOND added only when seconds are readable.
h=6 m=33
